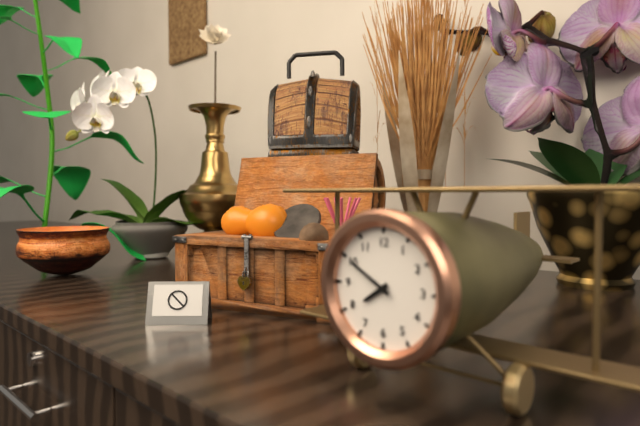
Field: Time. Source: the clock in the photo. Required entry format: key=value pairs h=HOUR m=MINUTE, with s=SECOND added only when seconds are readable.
h=7 m=50
